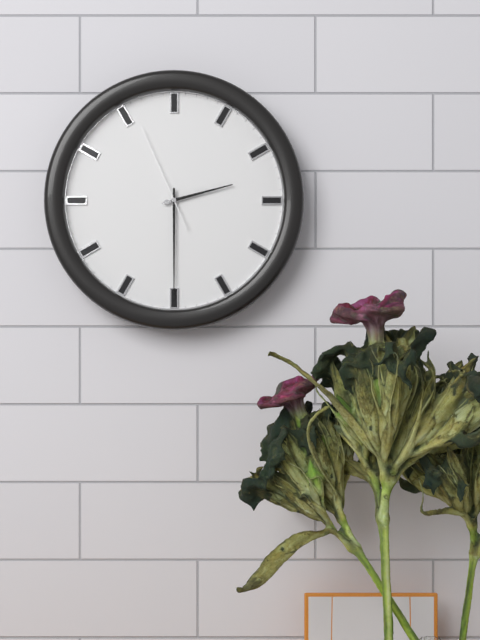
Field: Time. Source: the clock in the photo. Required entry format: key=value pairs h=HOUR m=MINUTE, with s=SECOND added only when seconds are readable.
h=2 m=30 s=56
